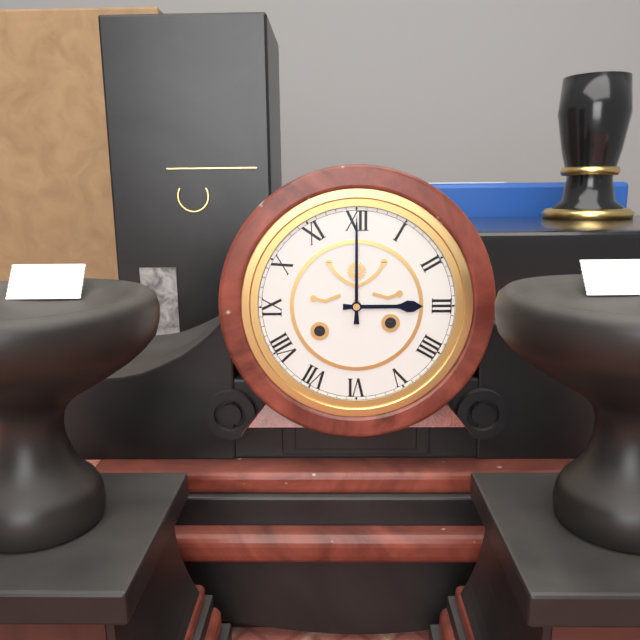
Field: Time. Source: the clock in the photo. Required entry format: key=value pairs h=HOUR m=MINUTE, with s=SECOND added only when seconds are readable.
h=3 m=0
